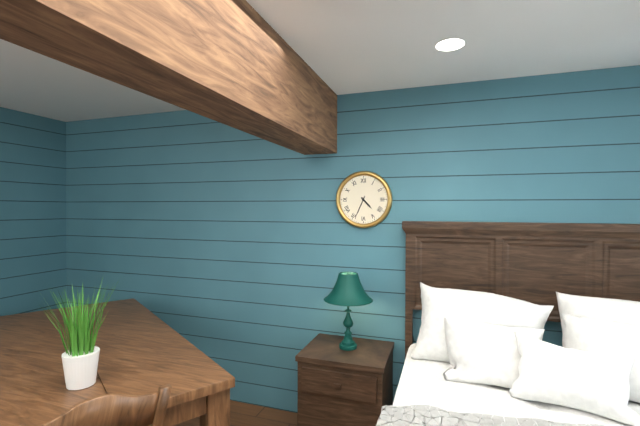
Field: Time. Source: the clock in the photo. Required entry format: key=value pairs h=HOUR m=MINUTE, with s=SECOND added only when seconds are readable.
h=4 m=34
